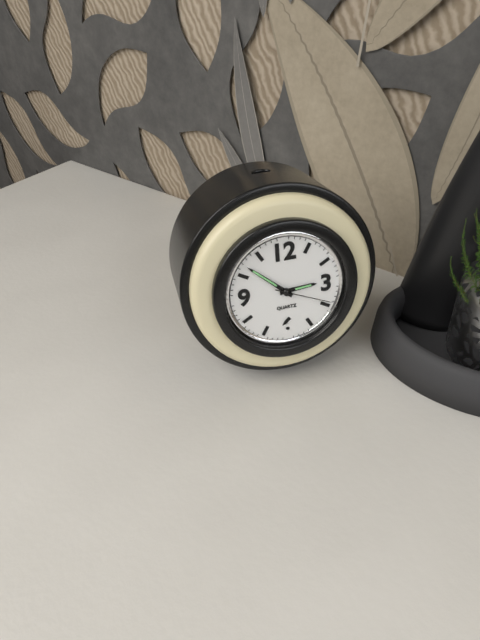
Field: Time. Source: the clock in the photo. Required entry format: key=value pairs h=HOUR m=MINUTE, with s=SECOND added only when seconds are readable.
h=2 m=52 s=19
